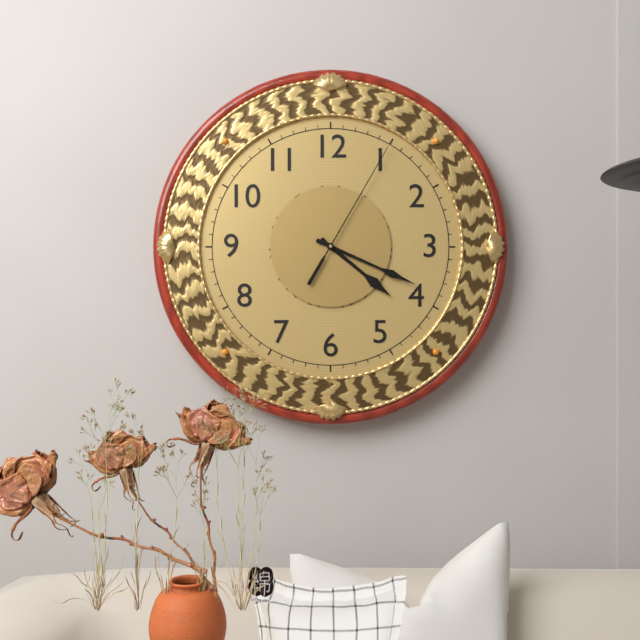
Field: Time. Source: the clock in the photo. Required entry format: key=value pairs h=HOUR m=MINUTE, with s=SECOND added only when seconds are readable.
h=4 m=19 s=5
